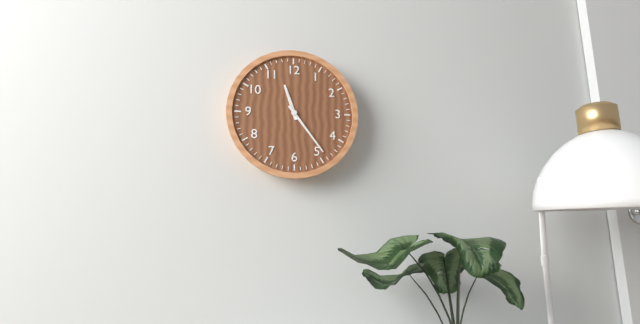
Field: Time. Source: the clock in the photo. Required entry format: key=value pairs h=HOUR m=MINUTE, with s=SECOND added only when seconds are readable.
h=11 m=24
